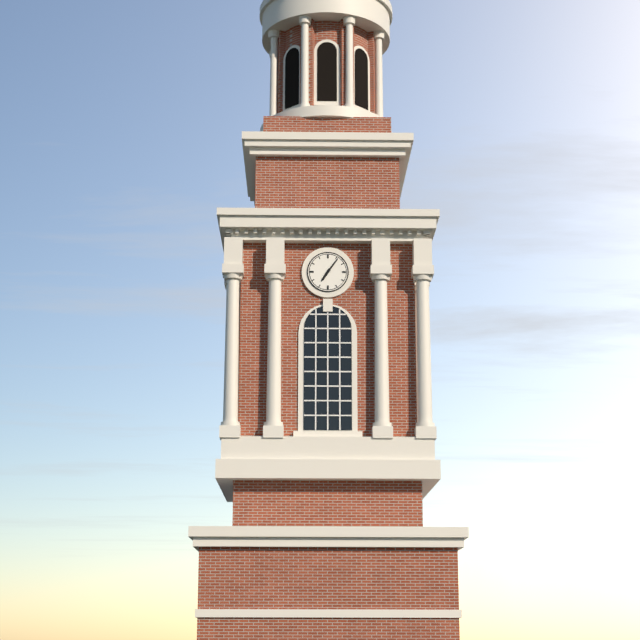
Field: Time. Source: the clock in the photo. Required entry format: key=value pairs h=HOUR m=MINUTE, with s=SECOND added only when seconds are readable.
h=7 m=6
